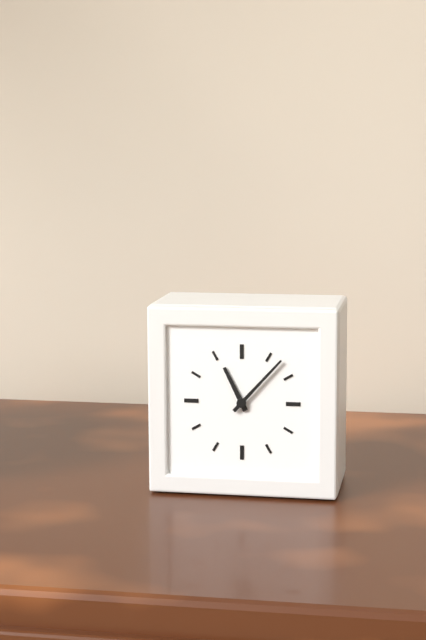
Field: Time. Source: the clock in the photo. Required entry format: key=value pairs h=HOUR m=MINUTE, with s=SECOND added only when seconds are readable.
h=11 m=7
